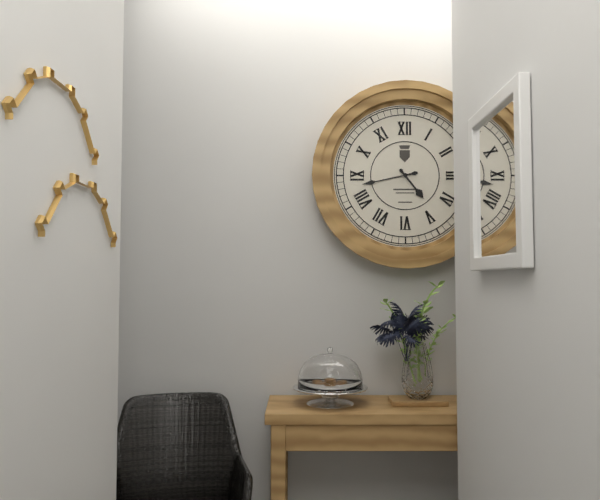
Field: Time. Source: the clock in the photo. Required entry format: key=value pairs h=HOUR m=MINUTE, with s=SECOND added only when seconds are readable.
h=4 m=43
